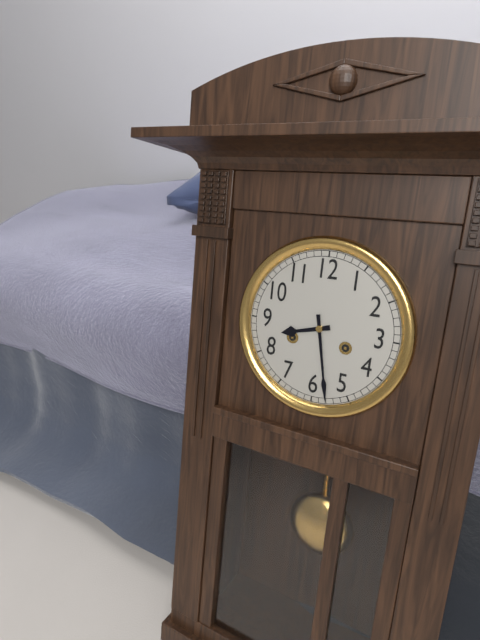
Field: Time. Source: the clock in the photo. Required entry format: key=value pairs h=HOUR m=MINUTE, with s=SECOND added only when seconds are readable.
h=8 m=28
